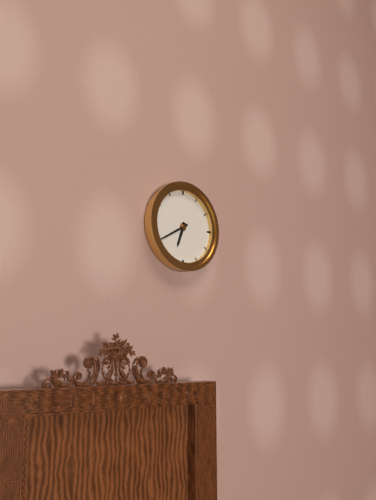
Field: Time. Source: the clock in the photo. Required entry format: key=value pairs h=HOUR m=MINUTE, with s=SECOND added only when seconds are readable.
h=6 m=40
